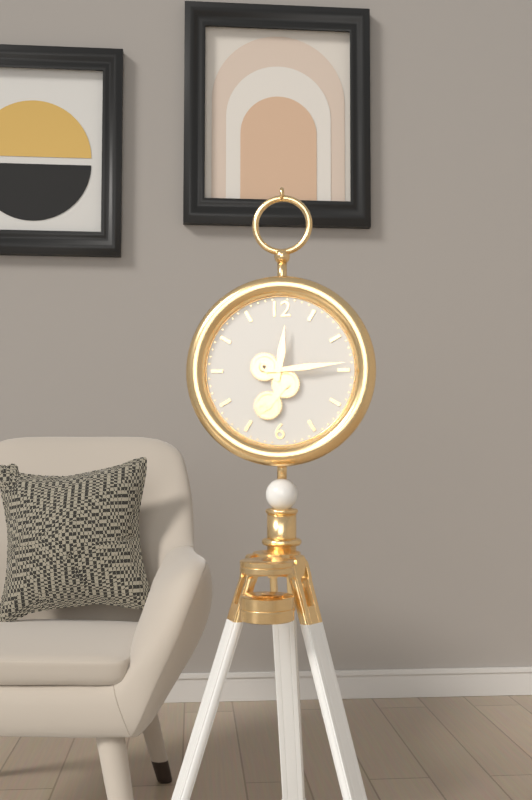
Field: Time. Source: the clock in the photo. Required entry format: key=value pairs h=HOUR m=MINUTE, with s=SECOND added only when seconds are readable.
h=12 m=14
